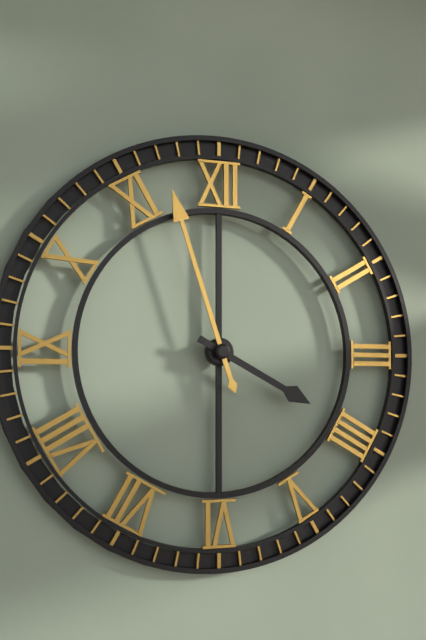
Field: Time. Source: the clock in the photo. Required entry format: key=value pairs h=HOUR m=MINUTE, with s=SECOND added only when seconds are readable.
h=3 m=57
